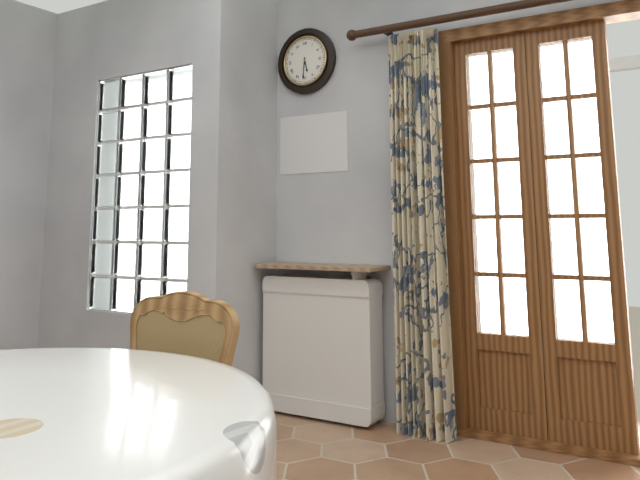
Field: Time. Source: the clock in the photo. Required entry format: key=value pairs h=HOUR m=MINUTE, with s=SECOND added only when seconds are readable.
h=5 m=31
